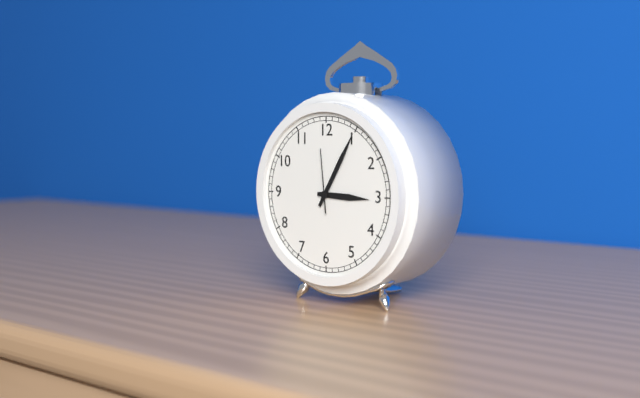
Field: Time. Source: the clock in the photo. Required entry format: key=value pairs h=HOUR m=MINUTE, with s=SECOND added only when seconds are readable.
h=3 m=5 s=59
